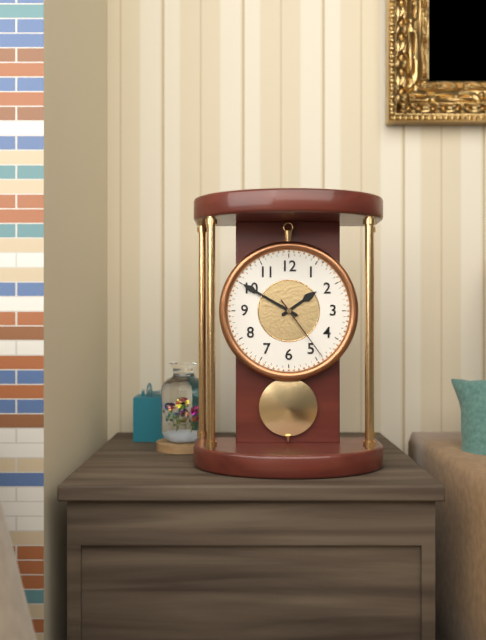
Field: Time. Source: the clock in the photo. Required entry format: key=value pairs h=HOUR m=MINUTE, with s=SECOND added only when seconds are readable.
h=1 m=50 s=24
